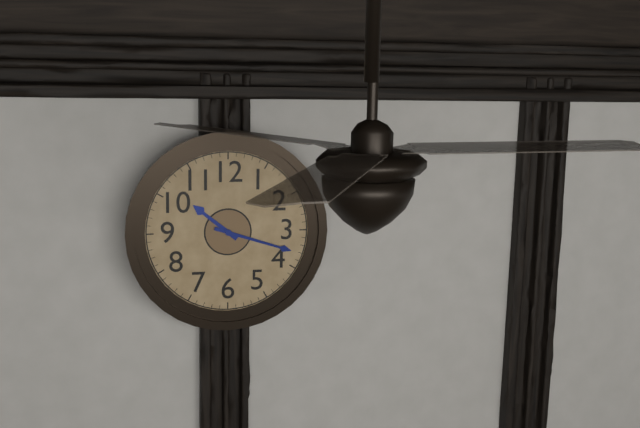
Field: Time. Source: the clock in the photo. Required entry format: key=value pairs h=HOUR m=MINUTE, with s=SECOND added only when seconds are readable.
h=10 m=18
